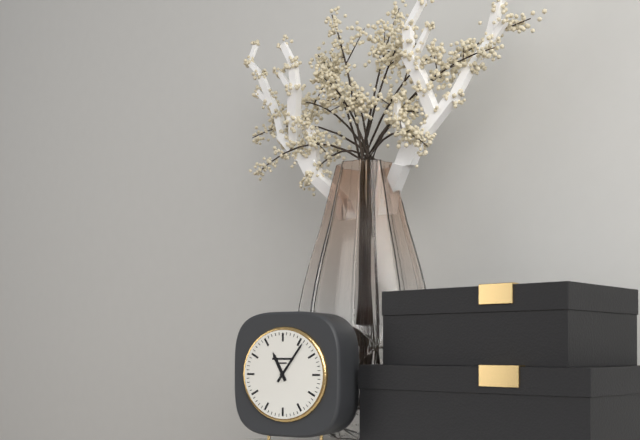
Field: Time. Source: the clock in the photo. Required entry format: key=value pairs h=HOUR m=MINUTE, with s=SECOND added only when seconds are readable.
h=11 m=6
